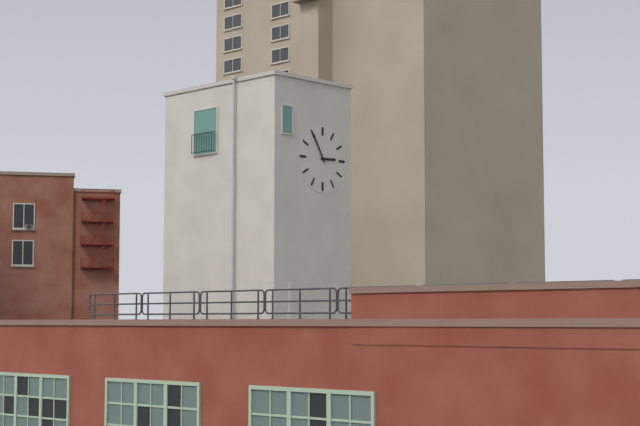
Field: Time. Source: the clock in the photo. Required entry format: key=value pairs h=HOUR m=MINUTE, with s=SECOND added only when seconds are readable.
h=2 m=55
